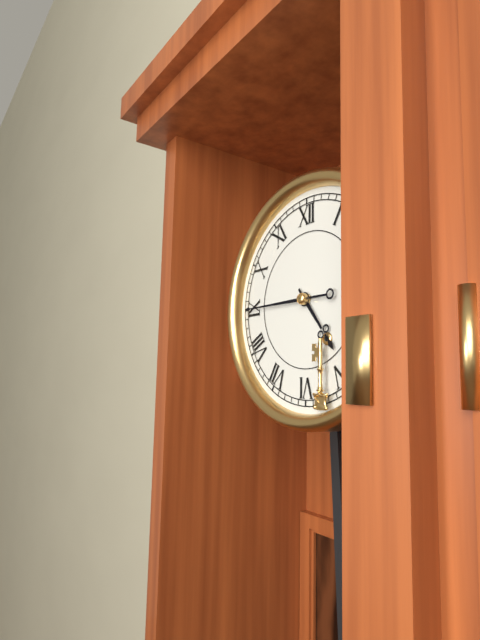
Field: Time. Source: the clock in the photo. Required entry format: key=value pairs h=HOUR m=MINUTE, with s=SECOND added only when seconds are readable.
h=4 m=45
